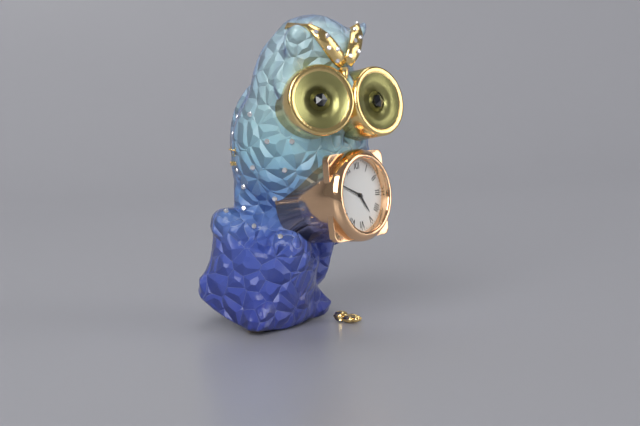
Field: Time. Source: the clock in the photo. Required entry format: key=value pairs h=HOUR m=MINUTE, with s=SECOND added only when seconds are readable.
h=4 m=49
